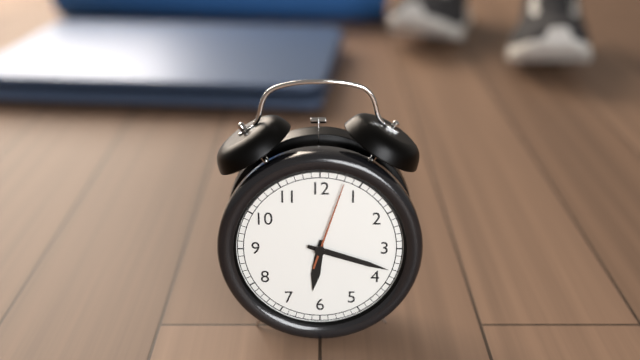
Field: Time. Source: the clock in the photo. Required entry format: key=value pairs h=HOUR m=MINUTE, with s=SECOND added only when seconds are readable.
h=6 m=18 s=3
